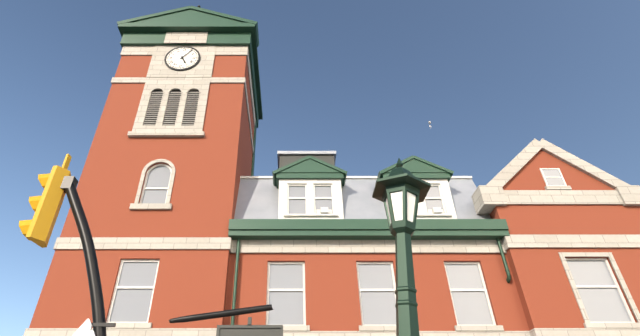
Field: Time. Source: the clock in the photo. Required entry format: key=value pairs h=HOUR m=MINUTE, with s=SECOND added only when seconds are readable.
h=5 m=6
